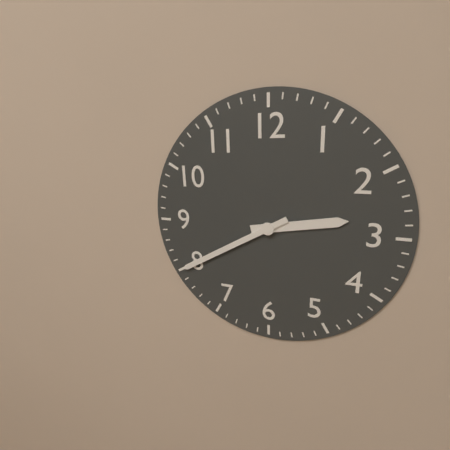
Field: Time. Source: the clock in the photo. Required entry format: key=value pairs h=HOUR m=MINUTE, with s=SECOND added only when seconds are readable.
h=2 m=40
